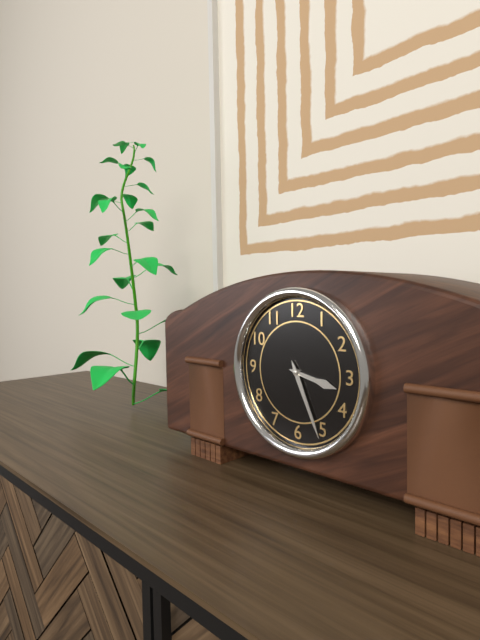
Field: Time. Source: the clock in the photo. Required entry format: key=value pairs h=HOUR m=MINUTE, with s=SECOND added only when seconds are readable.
h=3 m=26
